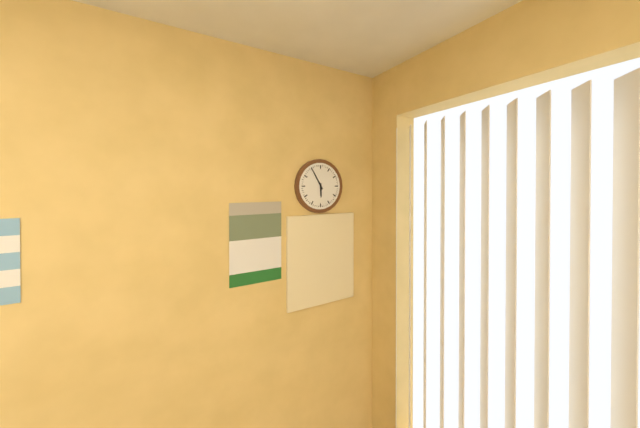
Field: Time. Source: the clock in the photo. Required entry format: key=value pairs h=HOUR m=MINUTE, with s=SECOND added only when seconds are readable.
h=5 m=55
